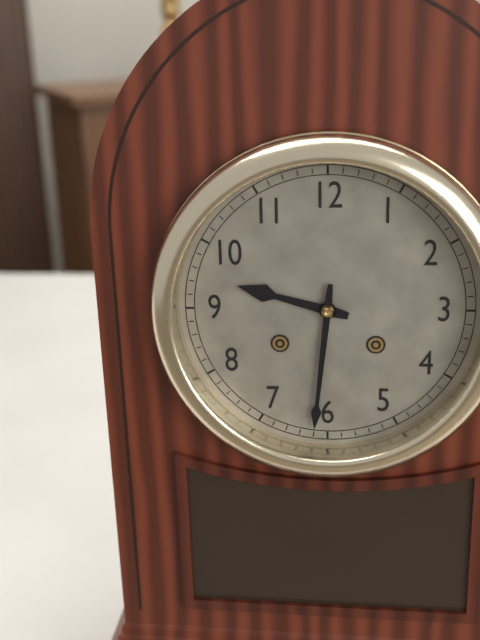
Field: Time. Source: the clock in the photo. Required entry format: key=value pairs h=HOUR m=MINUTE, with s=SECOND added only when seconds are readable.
h=9 m=31
